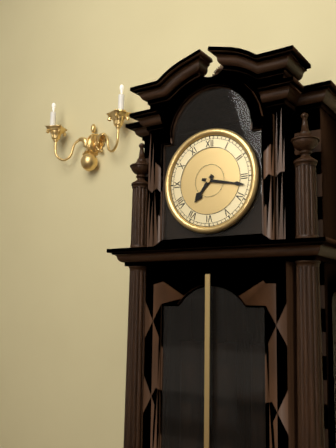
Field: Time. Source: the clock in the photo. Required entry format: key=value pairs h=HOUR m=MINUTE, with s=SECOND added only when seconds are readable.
h=7 m=17
